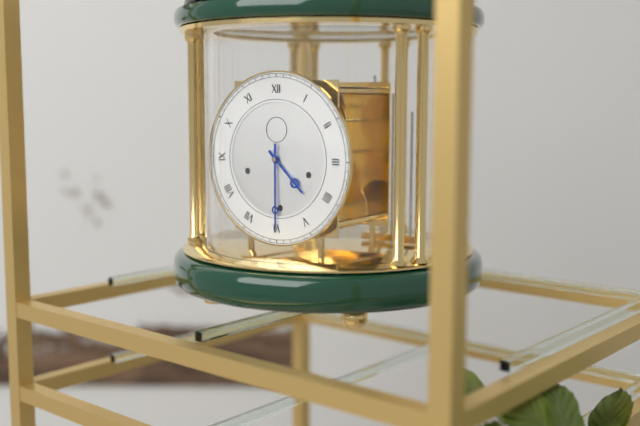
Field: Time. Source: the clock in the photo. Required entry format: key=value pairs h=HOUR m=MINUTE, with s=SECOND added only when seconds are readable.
h=4 m=30
